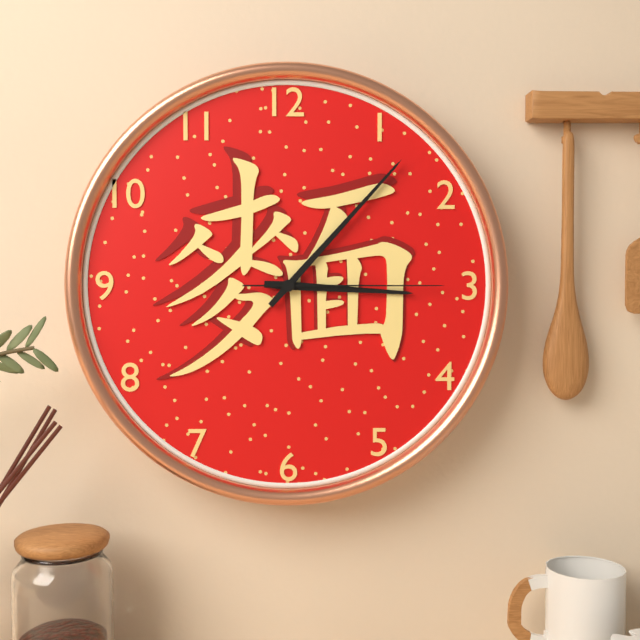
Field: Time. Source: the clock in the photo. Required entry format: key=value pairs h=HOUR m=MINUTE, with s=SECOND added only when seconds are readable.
h=3 m=7 s=15
